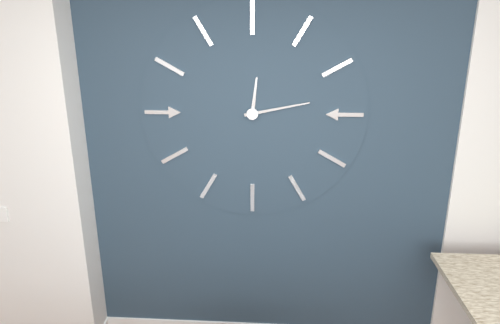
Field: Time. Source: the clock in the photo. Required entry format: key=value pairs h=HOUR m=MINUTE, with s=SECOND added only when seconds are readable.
h=12 m=13
